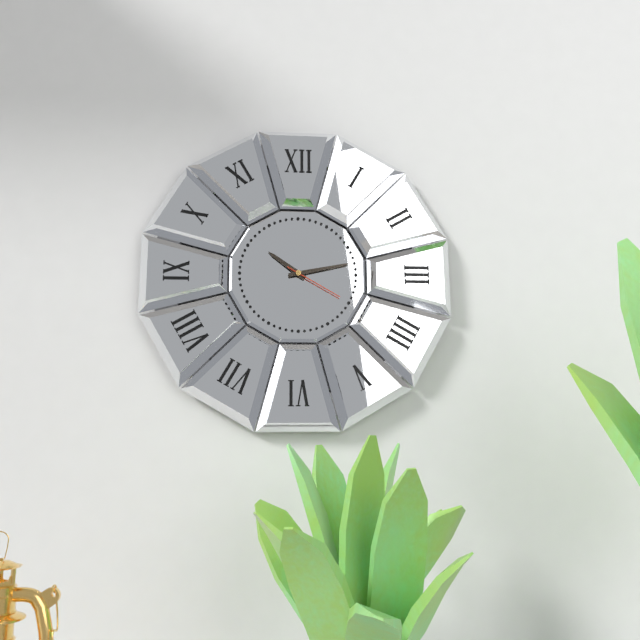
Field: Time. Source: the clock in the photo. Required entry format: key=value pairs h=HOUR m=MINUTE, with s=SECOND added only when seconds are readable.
h=10 m=13 s=20
